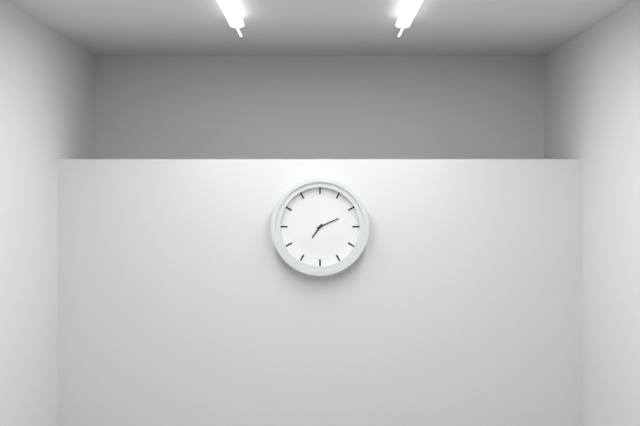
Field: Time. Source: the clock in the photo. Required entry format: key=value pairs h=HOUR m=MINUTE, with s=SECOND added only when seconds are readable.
h=7 m=11
